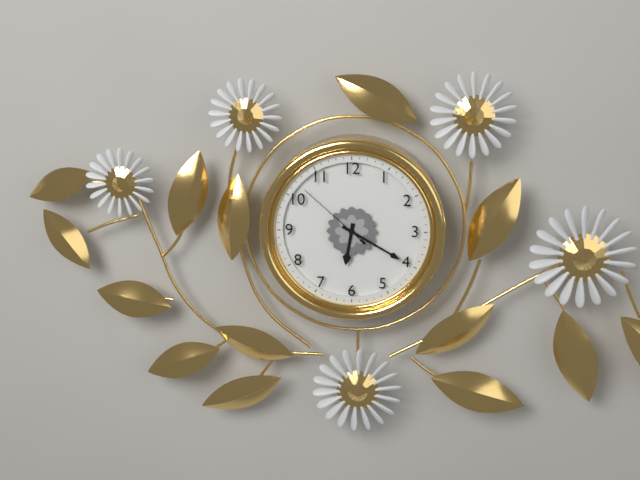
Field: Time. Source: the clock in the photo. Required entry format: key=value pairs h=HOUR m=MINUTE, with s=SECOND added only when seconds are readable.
h=6 m=20 s=52
